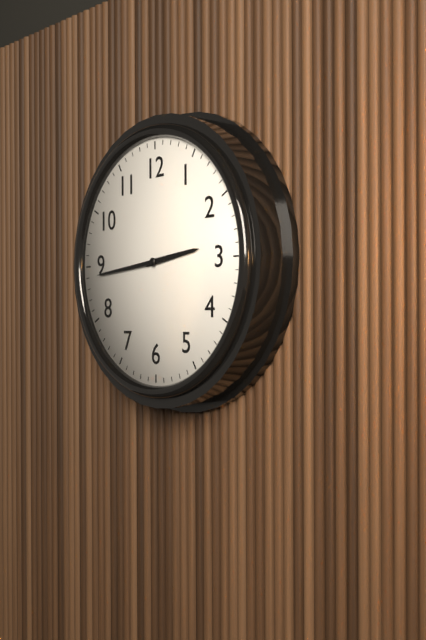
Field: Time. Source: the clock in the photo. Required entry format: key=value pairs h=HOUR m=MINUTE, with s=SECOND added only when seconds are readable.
h=2 m=44
